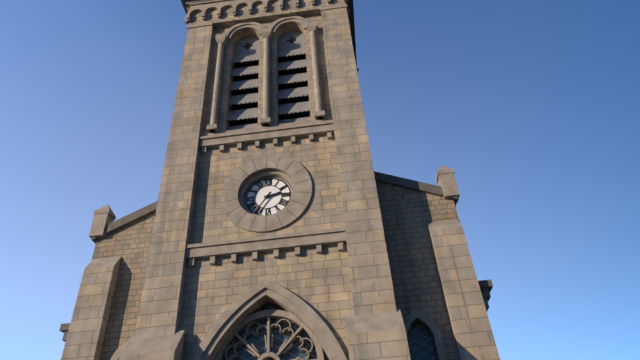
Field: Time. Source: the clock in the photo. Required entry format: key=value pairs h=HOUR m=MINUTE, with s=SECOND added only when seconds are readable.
h=2 m=36
